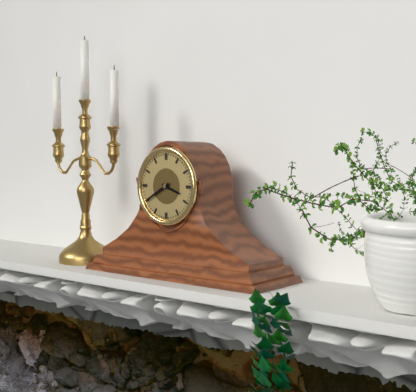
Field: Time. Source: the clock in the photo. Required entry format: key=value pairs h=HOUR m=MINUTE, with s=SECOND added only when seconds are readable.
h=3 m=40
